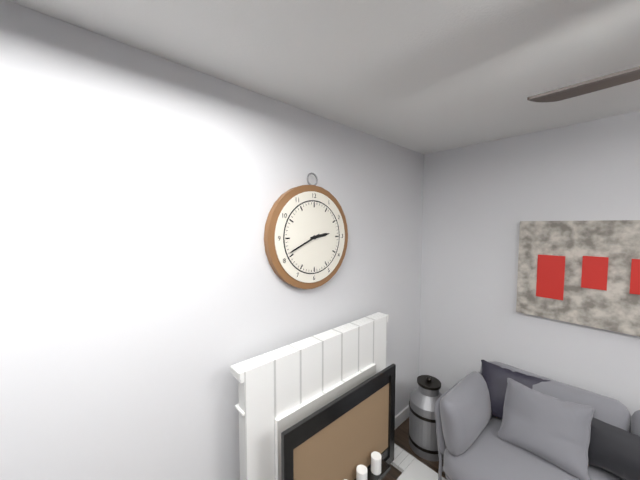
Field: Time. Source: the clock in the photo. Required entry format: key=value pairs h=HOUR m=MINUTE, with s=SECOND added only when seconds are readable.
h=2 m=41
